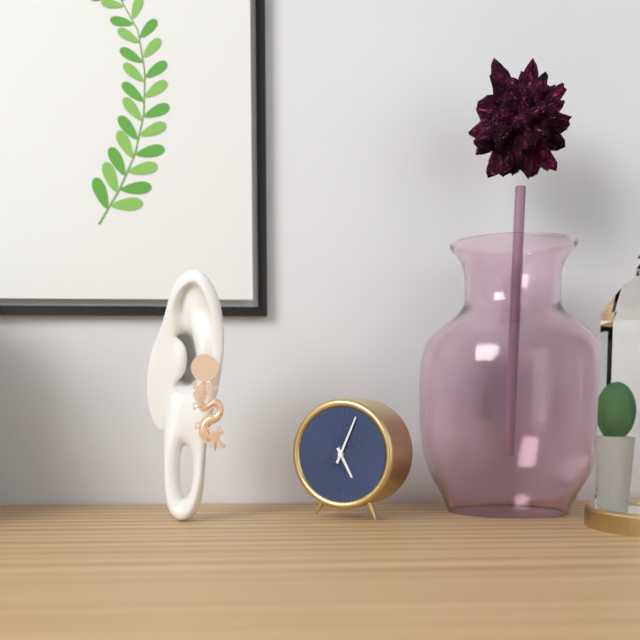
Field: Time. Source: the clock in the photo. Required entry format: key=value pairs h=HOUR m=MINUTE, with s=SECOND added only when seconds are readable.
h=5 m=4
